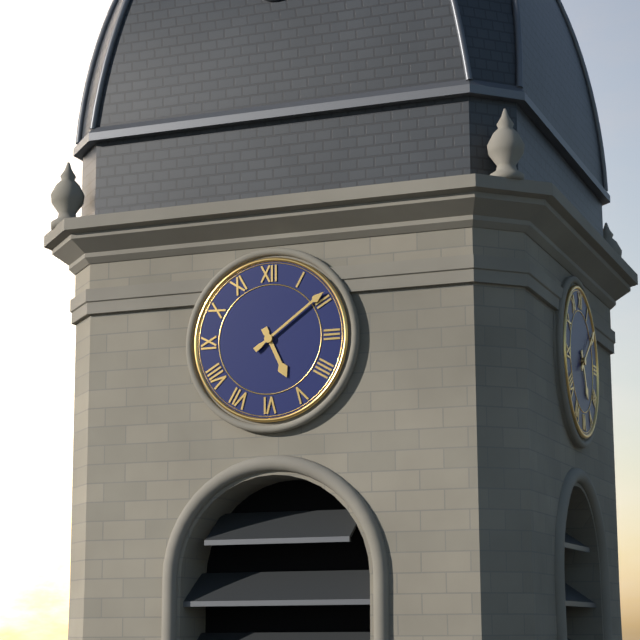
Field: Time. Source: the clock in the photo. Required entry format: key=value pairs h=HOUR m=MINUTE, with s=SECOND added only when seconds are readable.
h=5 m=9
